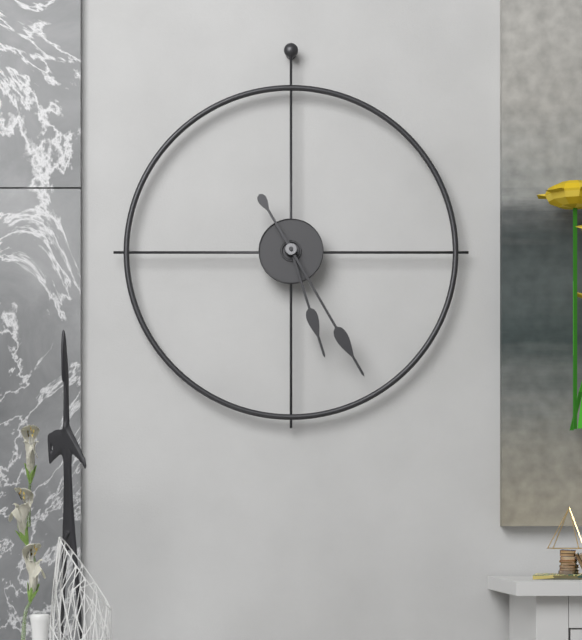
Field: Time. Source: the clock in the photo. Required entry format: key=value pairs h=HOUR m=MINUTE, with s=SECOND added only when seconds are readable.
h=5 m=25
